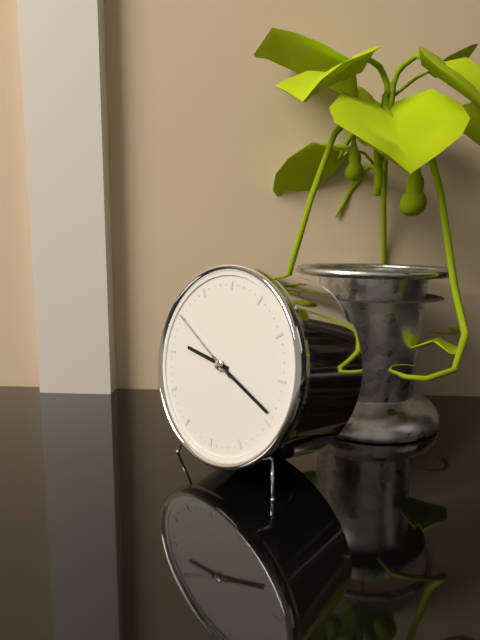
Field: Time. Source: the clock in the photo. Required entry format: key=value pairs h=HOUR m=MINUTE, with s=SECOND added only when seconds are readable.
h=9 m=19 s=50
